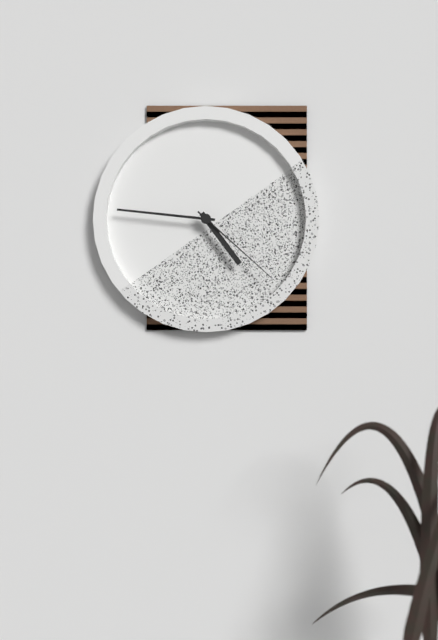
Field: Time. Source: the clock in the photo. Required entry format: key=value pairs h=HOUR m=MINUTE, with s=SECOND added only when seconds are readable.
h=4 m=46 s=22
